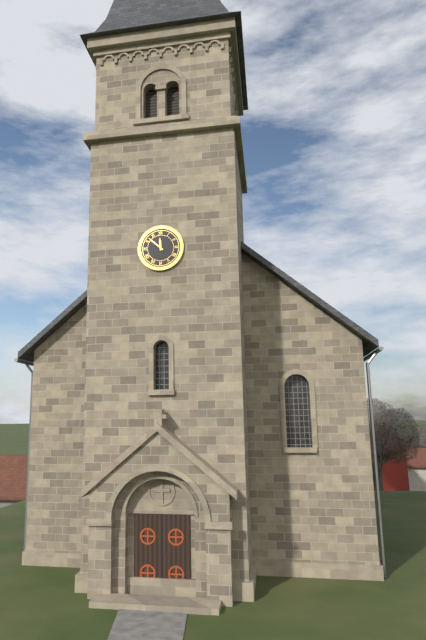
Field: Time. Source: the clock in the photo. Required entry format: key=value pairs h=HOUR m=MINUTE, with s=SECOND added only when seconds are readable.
h=11 m=52
